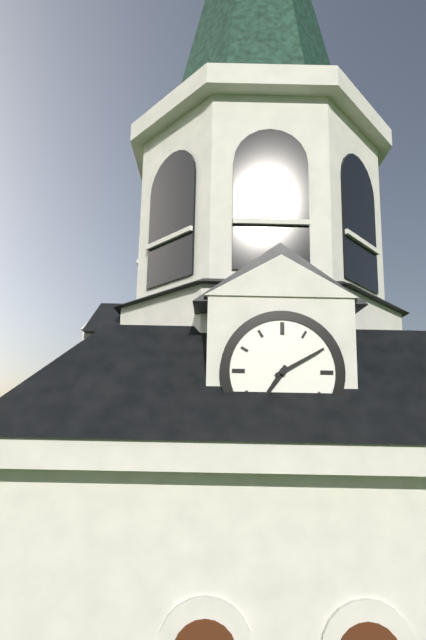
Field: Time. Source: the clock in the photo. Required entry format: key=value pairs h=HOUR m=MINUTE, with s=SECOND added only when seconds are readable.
h=7 m=10
